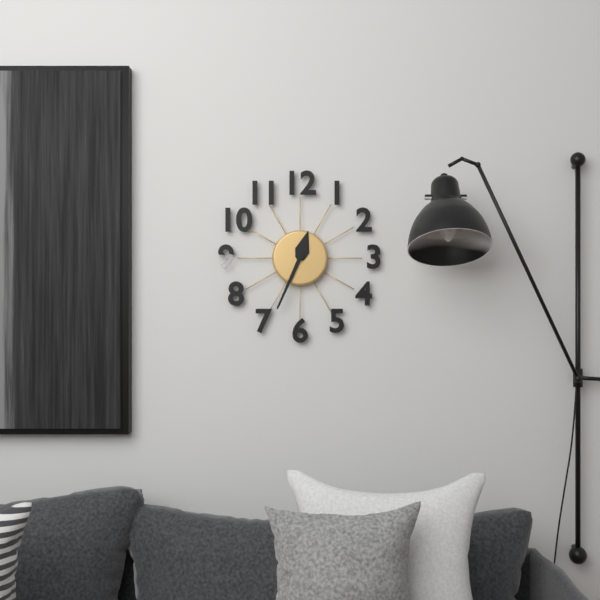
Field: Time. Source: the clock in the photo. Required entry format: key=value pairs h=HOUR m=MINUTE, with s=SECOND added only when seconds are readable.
h=12 m=34
